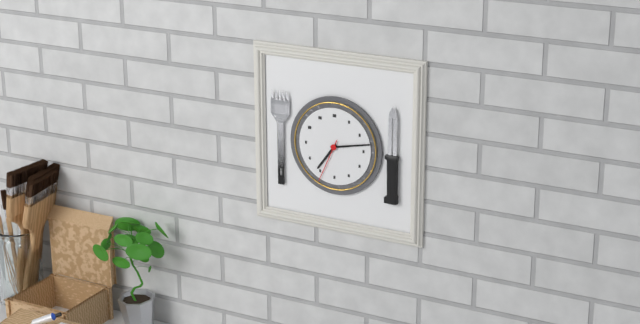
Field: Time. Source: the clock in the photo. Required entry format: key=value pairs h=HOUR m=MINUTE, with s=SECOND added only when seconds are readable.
h=7 m=13
